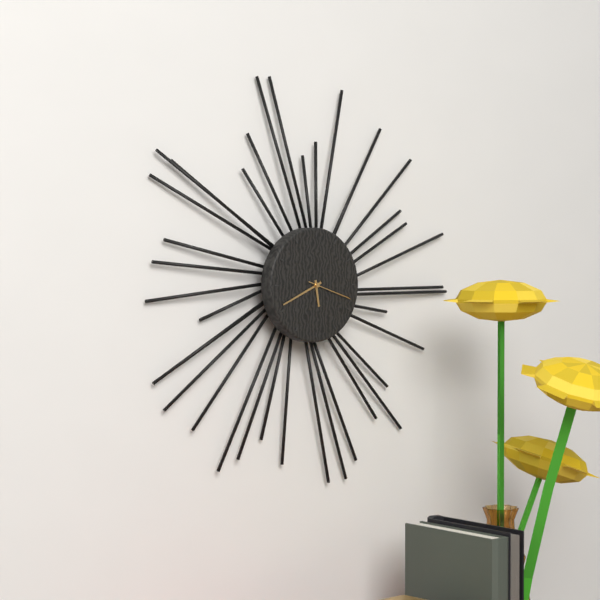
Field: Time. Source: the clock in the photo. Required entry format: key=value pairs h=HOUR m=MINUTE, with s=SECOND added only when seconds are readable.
h=5 m=41
